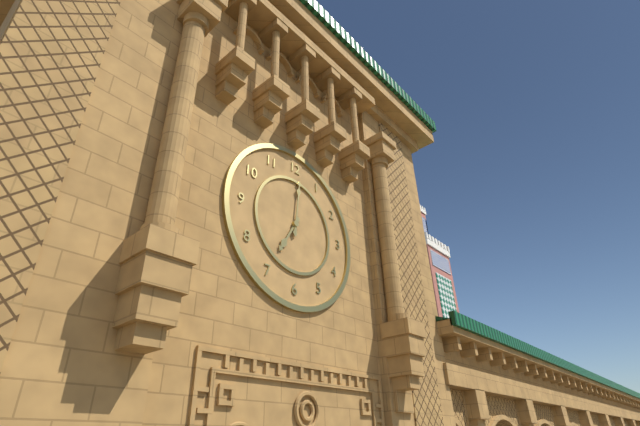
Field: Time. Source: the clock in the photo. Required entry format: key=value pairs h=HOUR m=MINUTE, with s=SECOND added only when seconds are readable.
h=7 m=1
